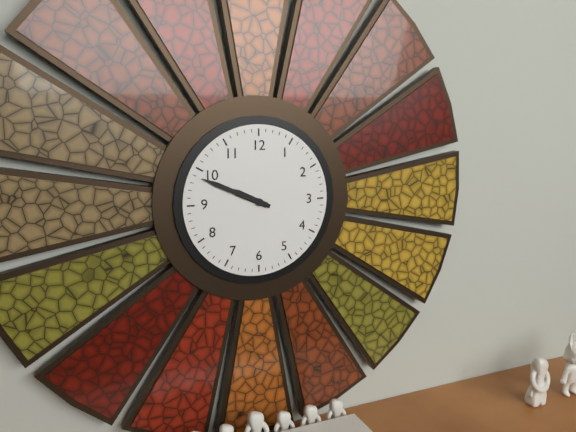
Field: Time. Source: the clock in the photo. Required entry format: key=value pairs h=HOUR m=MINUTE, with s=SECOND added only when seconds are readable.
h=9 m=49
